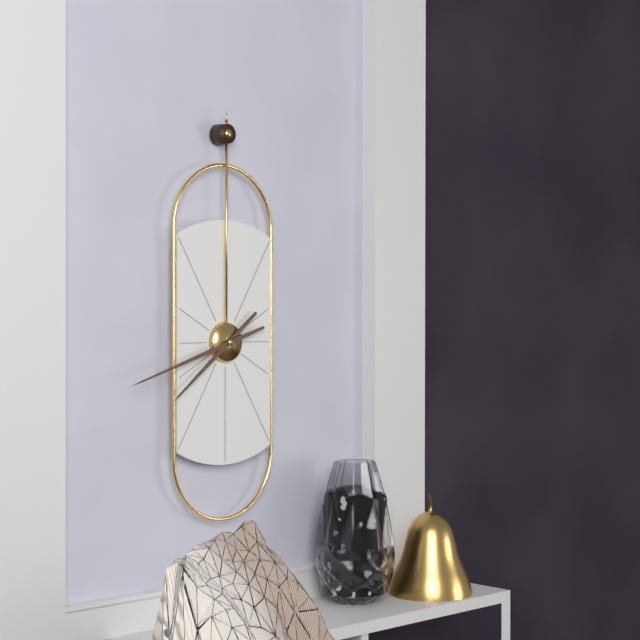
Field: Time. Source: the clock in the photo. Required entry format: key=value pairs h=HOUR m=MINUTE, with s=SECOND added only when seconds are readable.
h=7 m=42
